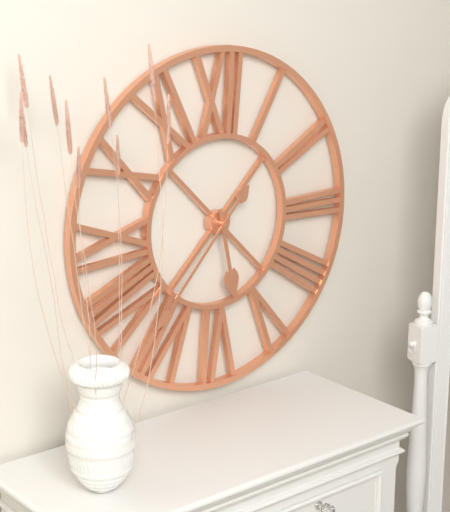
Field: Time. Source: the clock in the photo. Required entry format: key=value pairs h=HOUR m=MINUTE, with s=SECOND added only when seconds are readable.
h=5 m=37
